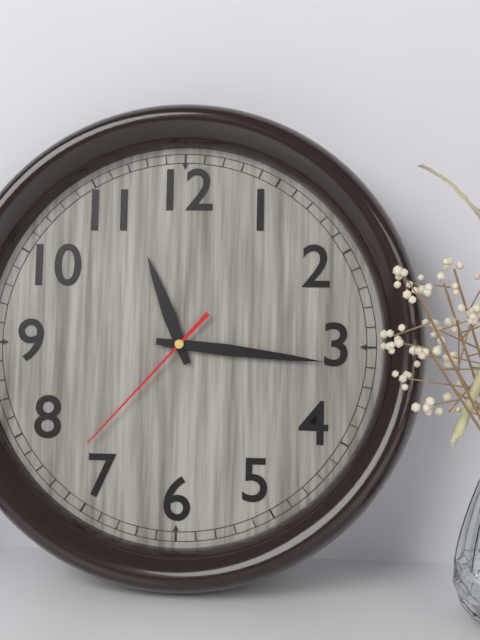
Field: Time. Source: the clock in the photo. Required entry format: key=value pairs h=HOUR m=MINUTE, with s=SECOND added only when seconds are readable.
h=11 m=16 s=37
